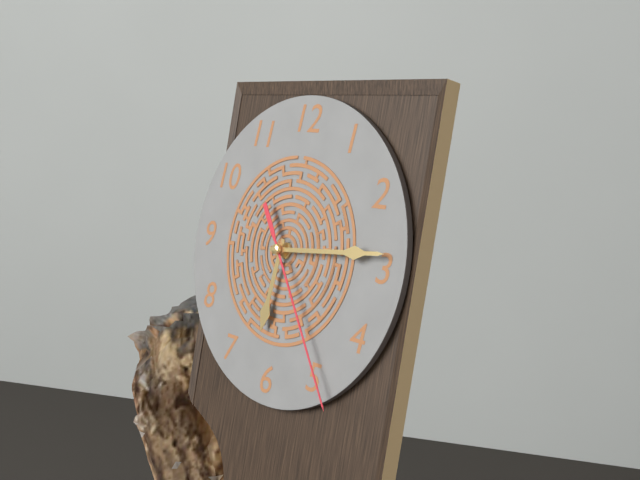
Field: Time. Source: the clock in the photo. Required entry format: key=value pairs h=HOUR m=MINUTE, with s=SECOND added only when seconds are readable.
h=6 m=14 s=24
